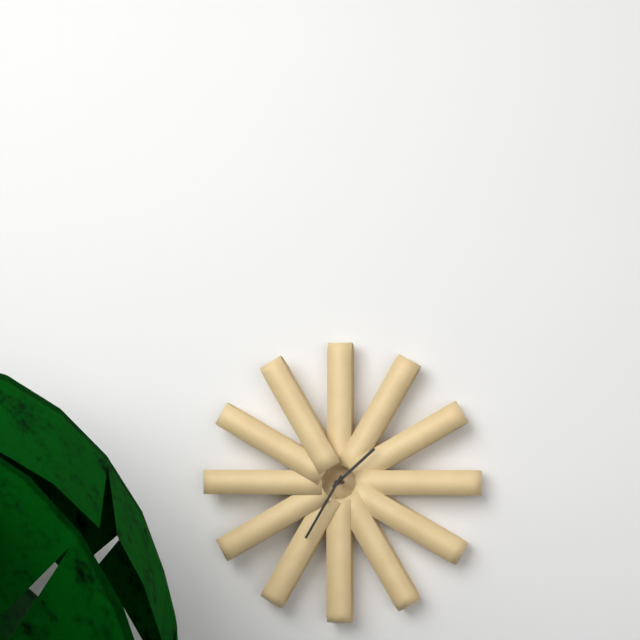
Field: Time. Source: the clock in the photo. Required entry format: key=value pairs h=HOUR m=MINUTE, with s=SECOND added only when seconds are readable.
h=1 m=35
